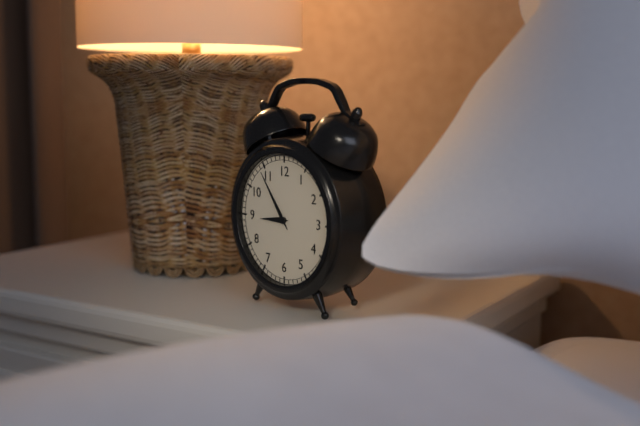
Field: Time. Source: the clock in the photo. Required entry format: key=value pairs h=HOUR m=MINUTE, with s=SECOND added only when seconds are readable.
h=8 m=54
